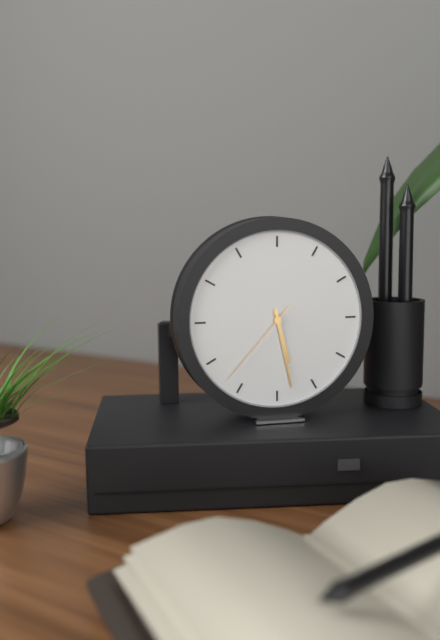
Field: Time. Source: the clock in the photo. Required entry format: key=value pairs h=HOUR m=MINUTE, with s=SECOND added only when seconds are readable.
h=5 m=28 s=37
